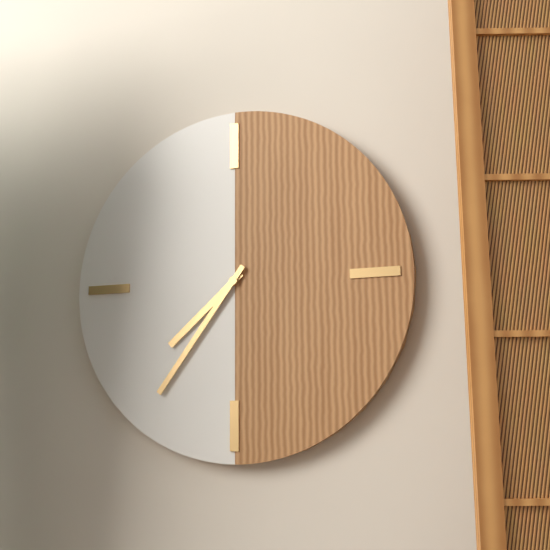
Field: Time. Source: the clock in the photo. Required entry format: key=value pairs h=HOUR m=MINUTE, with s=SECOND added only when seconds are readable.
h=7 m=36
